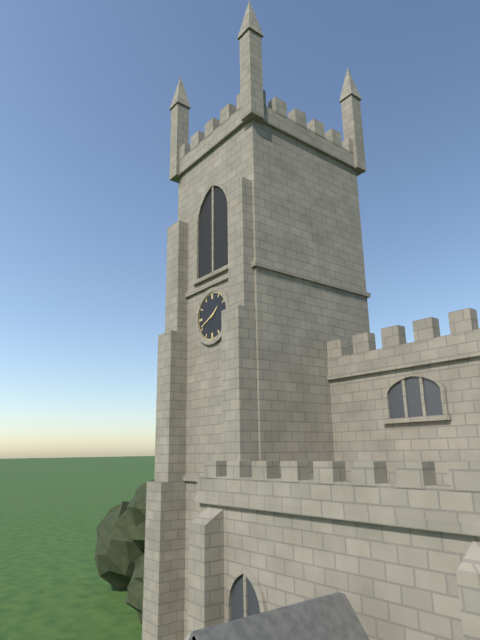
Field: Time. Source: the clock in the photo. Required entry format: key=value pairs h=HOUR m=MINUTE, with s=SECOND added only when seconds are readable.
h=1 m=41
